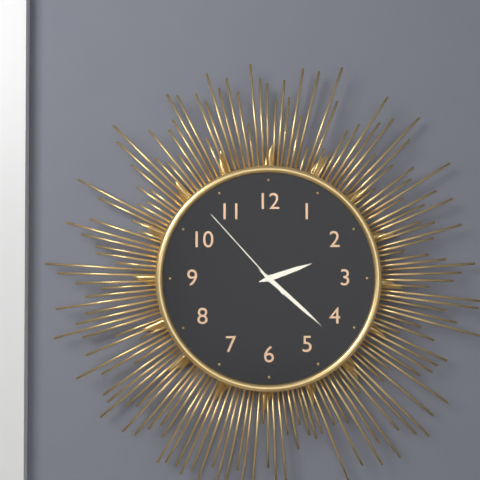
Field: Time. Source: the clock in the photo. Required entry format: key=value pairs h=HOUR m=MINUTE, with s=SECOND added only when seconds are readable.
h=2 m=22 s=53
